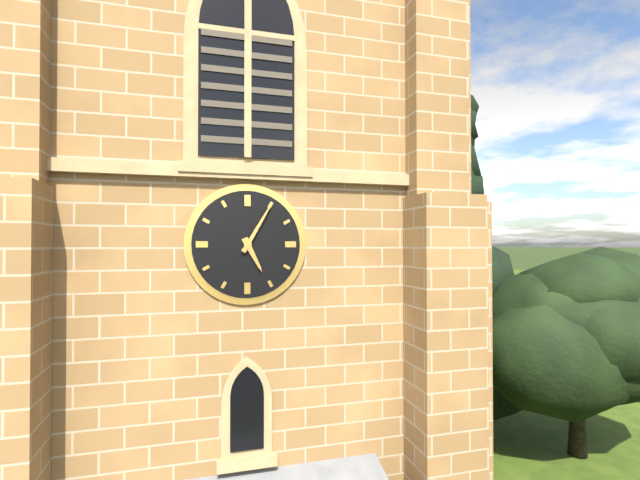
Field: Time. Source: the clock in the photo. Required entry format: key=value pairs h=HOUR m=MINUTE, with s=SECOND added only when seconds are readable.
h=5 m=5
